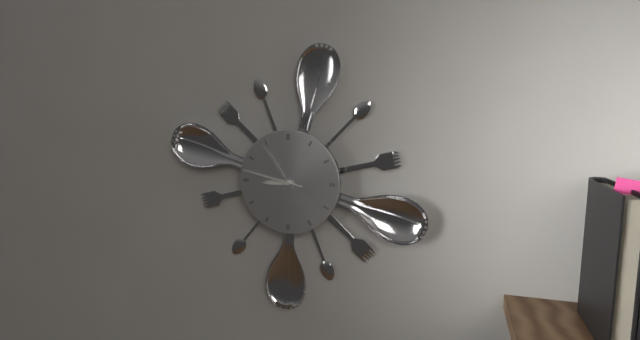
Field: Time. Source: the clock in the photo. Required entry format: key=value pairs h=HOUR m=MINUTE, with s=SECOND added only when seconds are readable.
h=8 m=54 s=47
